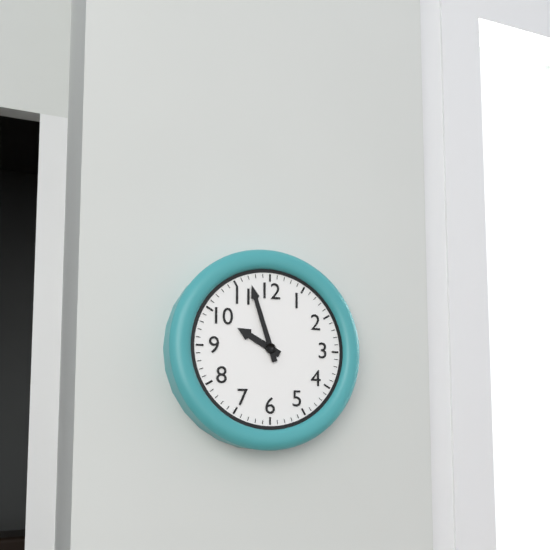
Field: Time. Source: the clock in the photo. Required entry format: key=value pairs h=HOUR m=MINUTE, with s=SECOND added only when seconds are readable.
h=9 m=57
